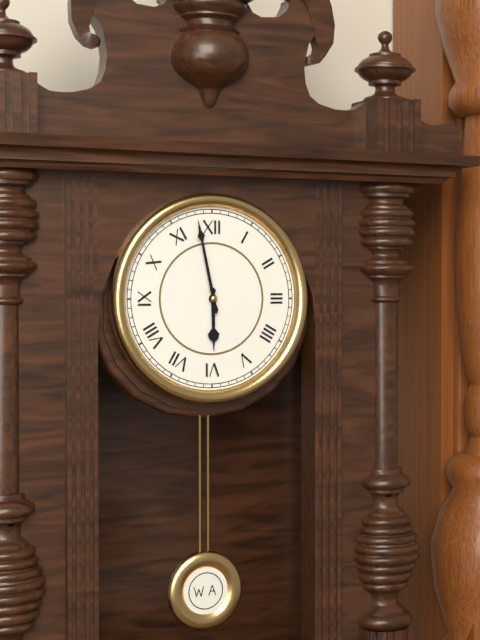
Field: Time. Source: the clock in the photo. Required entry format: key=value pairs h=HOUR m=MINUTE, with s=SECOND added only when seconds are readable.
h=5 m=58
